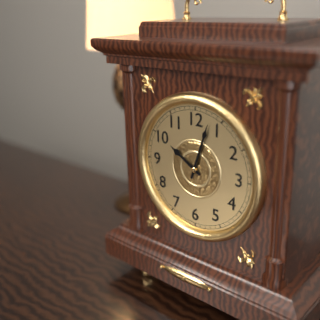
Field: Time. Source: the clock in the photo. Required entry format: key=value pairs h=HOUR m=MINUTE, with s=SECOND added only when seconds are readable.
h=10 m=3
